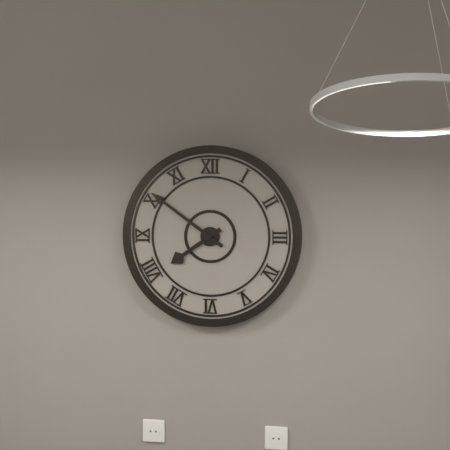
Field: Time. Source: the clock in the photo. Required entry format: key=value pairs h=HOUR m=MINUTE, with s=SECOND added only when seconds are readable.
h=7 m=51
